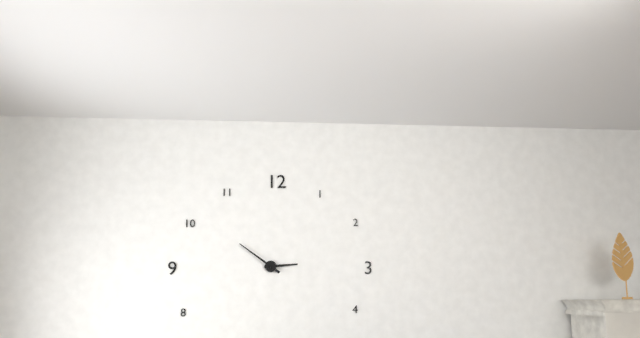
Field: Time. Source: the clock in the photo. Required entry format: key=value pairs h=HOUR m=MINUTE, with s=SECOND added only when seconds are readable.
h=2 m=51
